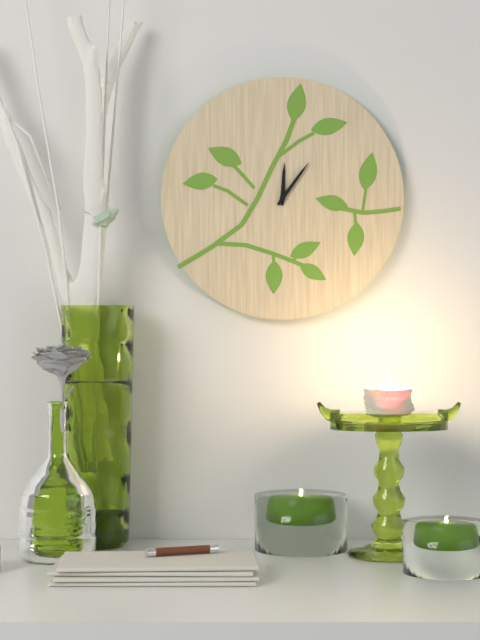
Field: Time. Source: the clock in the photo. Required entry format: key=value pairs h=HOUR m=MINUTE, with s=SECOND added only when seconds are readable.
h=12 m=6
